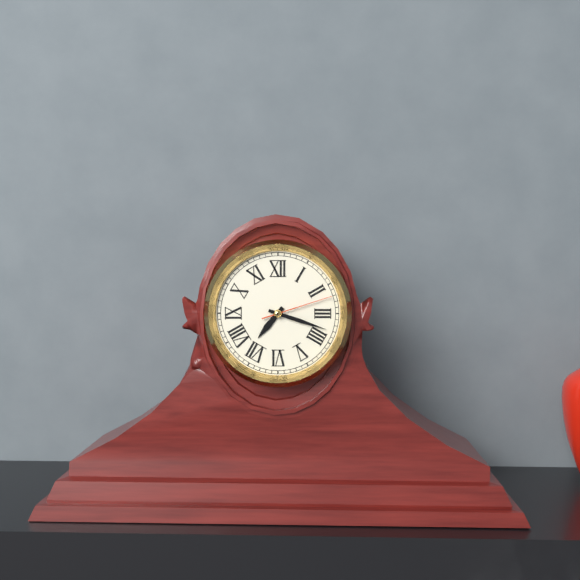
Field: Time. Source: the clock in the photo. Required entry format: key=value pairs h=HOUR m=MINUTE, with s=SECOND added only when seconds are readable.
h=7 m=18 s=12
